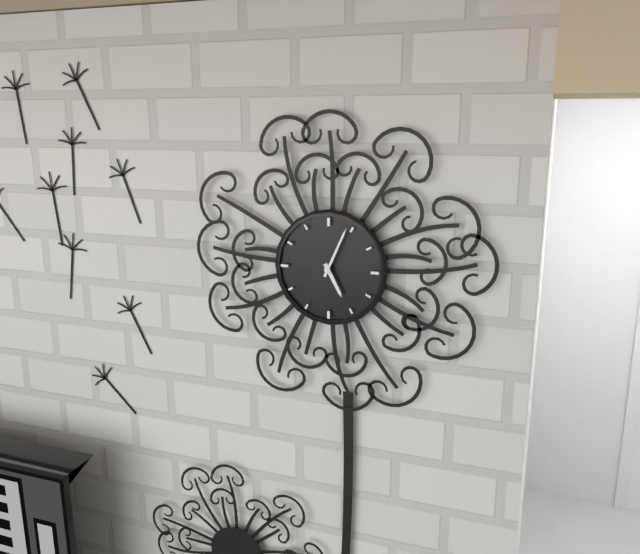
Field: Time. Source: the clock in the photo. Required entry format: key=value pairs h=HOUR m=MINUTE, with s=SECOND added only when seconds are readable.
h=5 m=4
